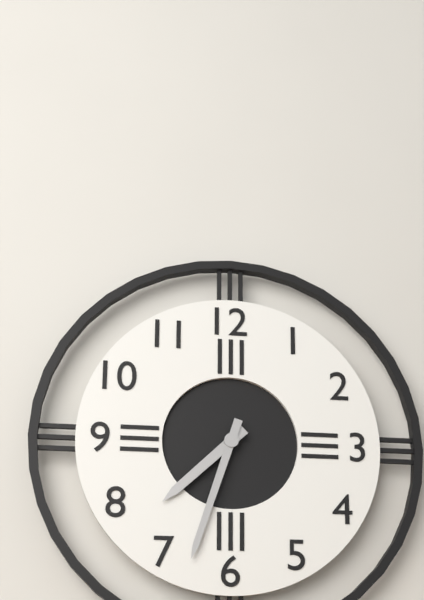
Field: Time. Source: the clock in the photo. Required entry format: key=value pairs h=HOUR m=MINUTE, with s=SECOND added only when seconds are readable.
h=7 m=33
